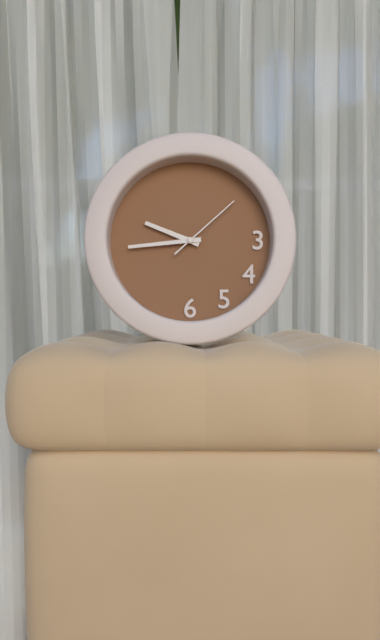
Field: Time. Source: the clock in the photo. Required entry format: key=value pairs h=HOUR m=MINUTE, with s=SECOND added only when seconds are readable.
h=9 m=44 s=8
